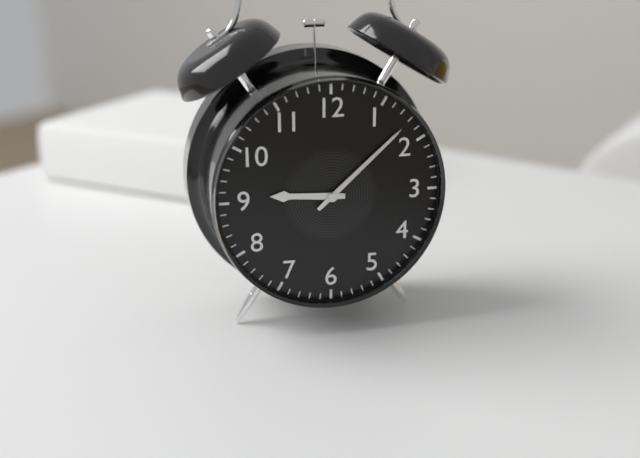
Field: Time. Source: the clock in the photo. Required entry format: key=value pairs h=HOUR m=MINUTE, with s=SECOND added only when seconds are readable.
h=9 m=8
